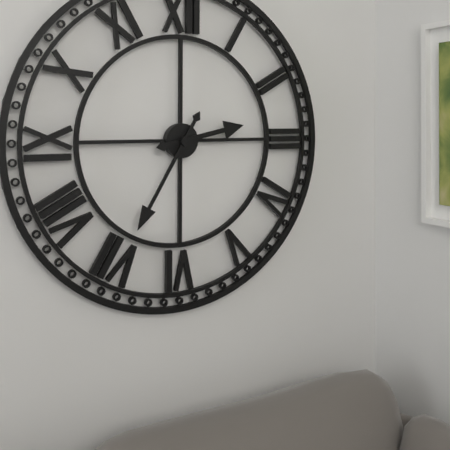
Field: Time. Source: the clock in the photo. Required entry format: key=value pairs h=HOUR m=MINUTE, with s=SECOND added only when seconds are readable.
h=2 m=35
